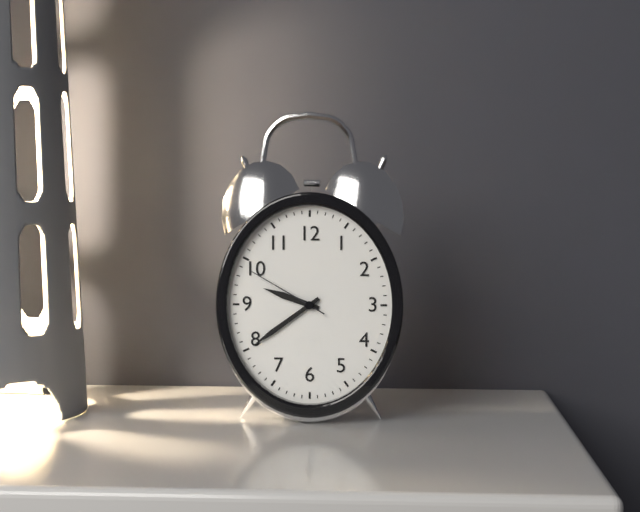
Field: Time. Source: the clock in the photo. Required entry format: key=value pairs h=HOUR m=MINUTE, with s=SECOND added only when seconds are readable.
h=9 m=39 s=50
